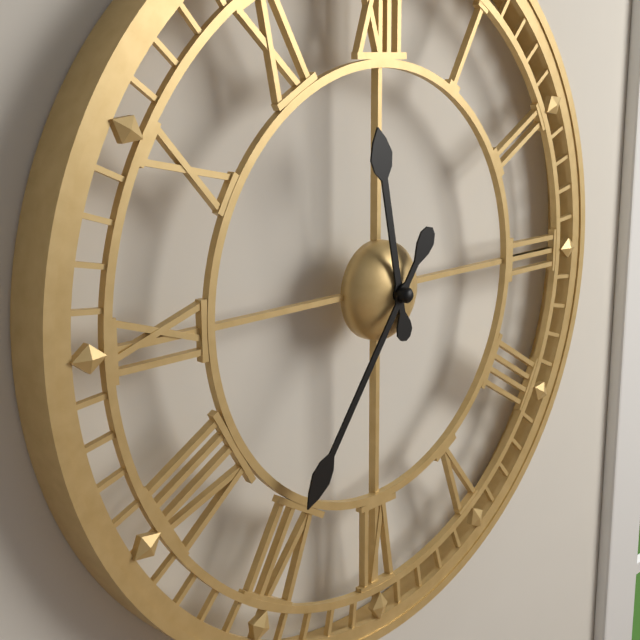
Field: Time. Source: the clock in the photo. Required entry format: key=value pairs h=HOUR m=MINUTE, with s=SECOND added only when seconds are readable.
h=11 m=36
